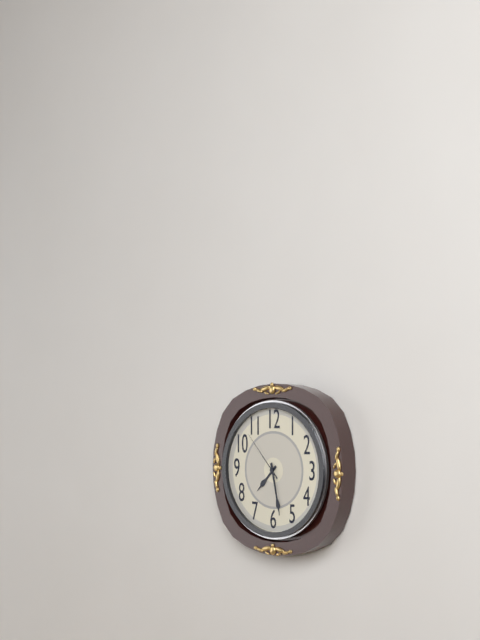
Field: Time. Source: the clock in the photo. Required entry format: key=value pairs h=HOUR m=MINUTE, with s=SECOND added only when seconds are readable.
h=7 m=28 s=53
